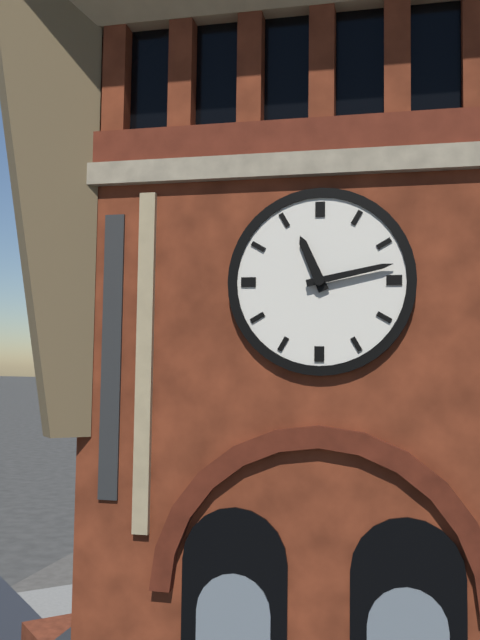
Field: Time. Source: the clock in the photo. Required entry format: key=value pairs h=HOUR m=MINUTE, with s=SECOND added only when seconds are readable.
h=11 m=13
